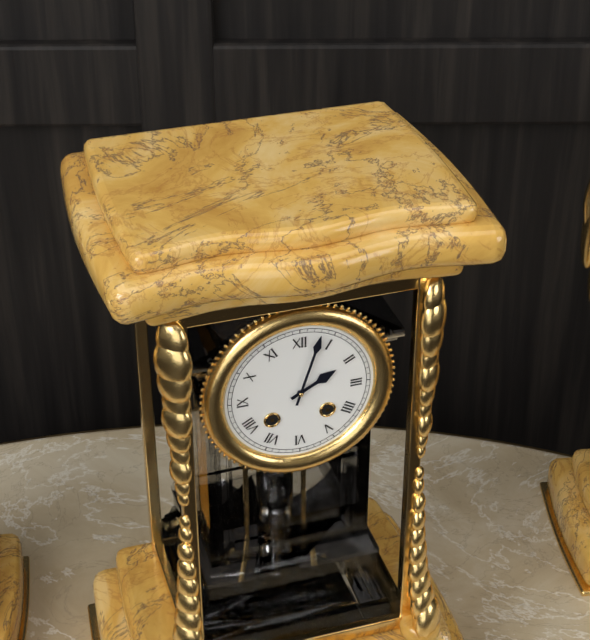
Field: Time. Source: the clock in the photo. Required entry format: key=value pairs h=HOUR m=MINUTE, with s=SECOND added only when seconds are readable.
h=2 m=3
